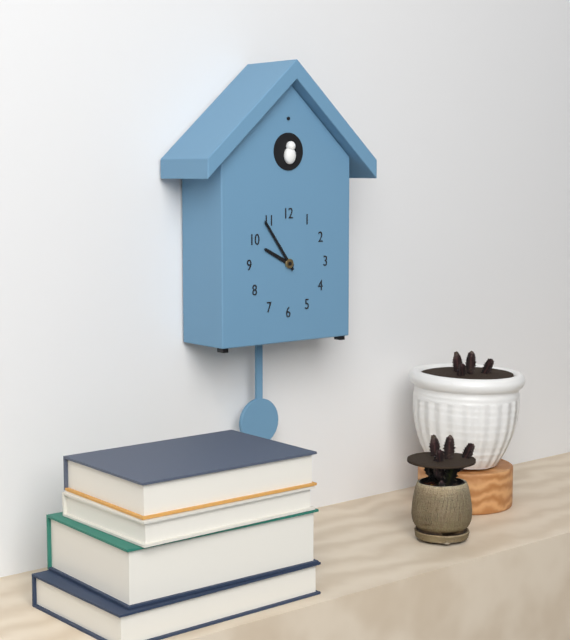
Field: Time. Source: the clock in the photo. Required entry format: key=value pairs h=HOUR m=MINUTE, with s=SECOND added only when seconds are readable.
h=9 m=54
